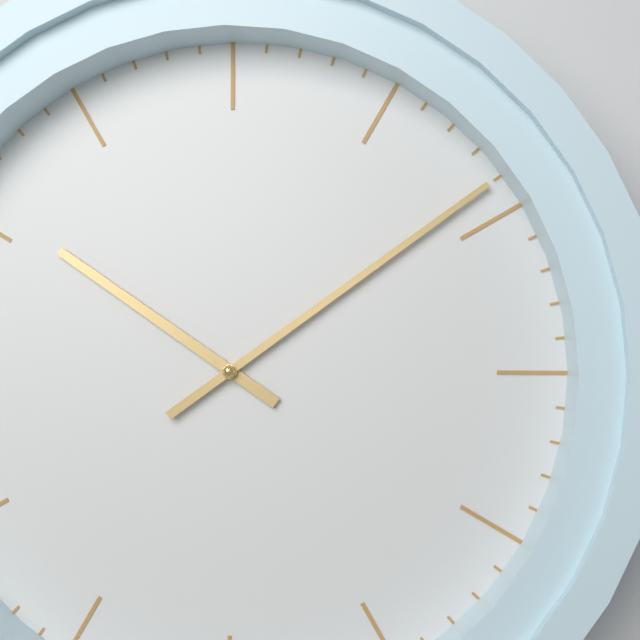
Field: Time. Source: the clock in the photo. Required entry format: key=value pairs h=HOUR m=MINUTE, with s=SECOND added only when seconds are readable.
h=10 m=9
